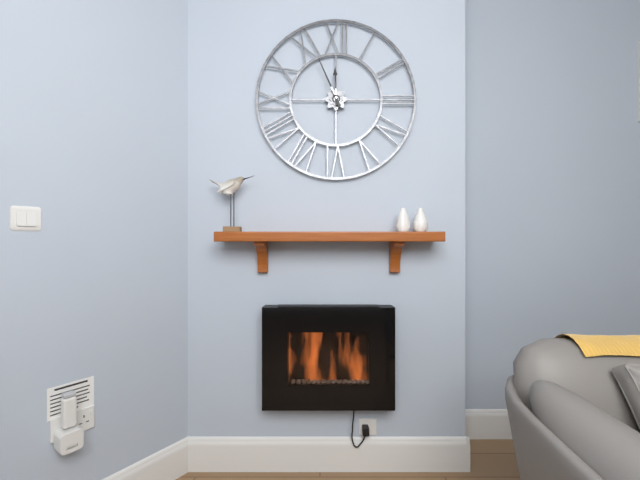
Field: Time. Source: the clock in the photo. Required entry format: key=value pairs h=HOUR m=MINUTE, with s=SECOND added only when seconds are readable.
h=11 m=56
